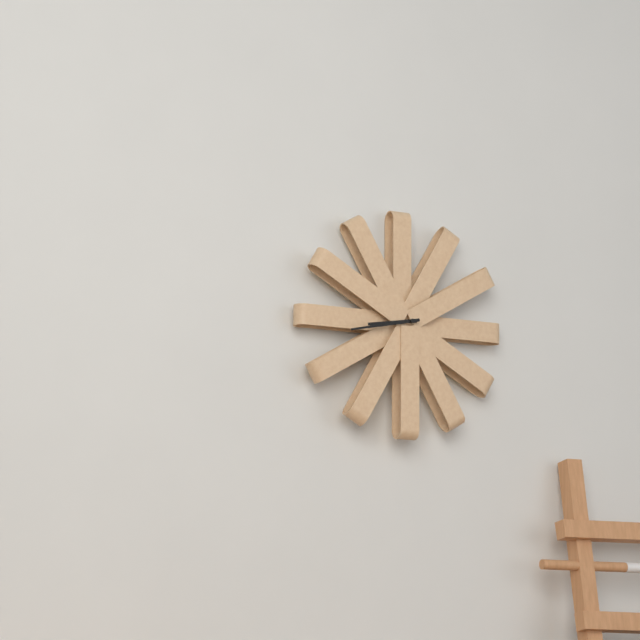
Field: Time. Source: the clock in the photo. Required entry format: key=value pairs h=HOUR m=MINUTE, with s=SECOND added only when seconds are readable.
h=8 m=43
